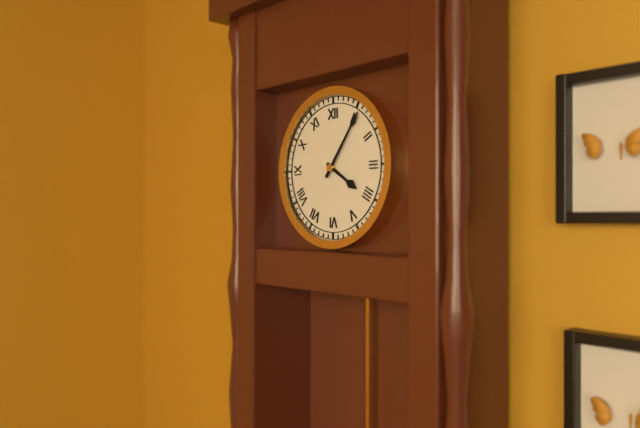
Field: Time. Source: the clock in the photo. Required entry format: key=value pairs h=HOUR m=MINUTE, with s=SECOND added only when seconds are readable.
h=4 m=6
